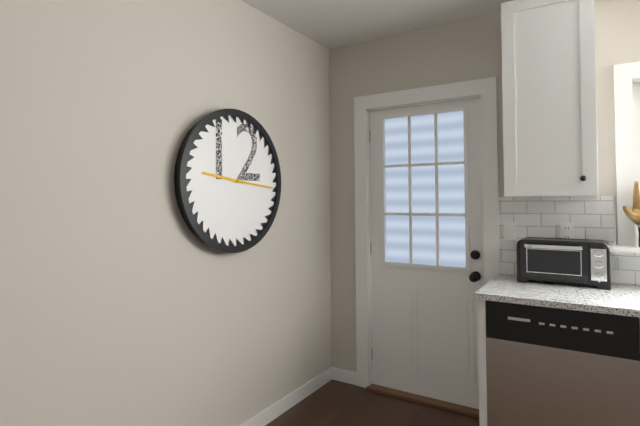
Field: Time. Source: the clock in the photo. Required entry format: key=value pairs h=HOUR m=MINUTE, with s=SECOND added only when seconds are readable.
h=9 m=16
